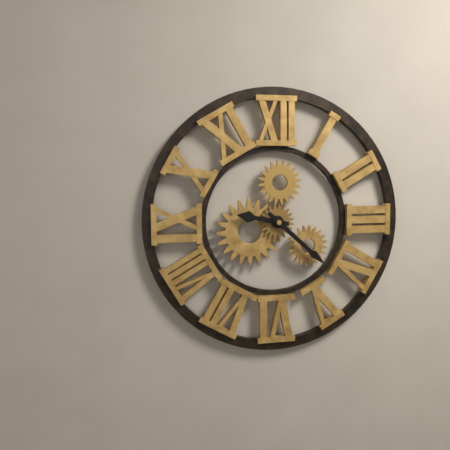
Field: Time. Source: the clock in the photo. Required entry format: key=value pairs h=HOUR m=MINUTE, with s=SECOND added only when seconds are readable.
h=9 m=22
